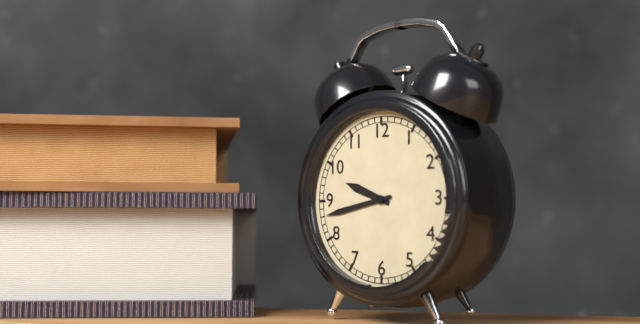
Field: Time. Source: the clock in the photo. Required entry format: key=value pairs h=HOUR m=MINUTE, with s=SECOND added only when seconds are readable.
h=9 m=43
